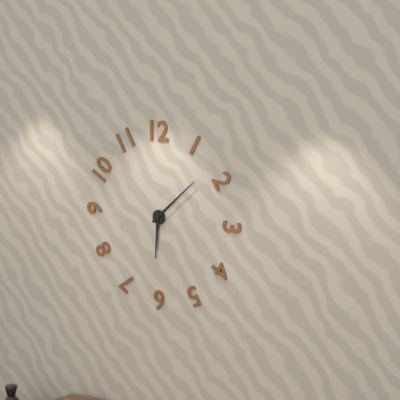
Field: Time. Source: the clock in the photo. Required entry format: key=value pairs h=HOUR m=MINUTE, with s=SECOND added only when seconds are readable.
h=6 m=8
